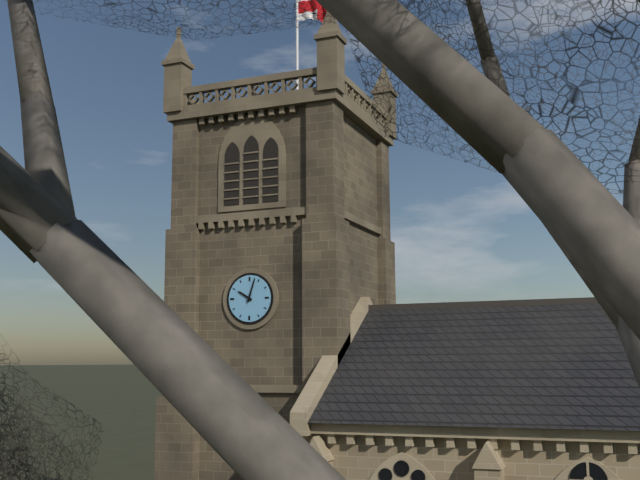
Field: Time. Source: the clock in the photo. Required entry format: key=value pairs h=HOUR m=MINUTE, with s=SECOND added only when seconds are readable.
h=10 m=3
